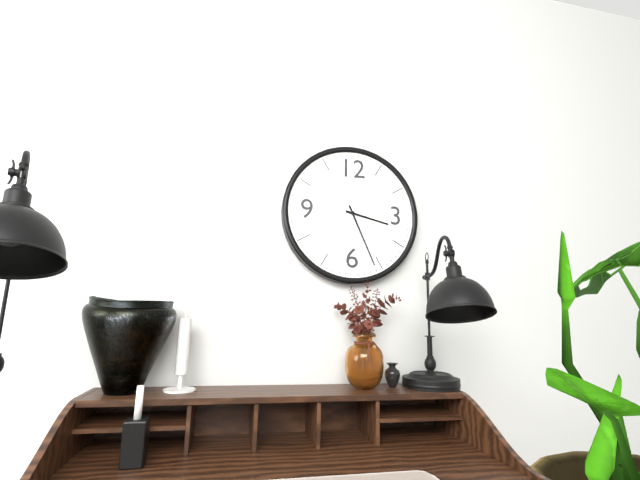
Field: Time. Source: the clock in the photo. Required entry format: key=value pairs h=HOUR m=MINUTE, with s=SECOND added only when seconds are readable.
h=3 m=26
